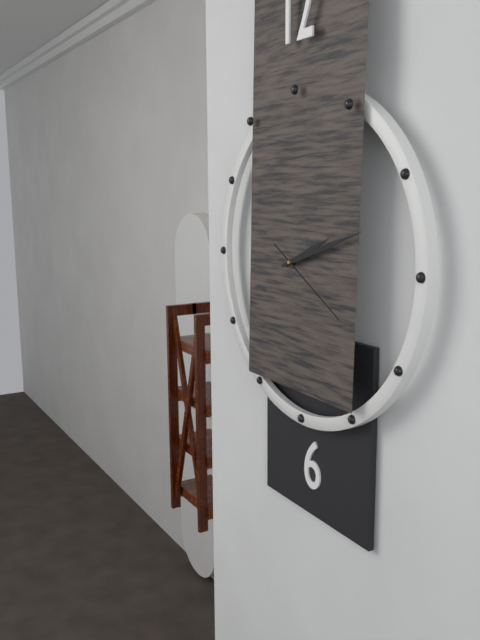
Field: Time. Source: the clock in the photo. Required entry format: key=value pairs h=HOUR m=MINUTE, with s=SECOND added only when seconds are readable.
h=2 m=12 s=20
